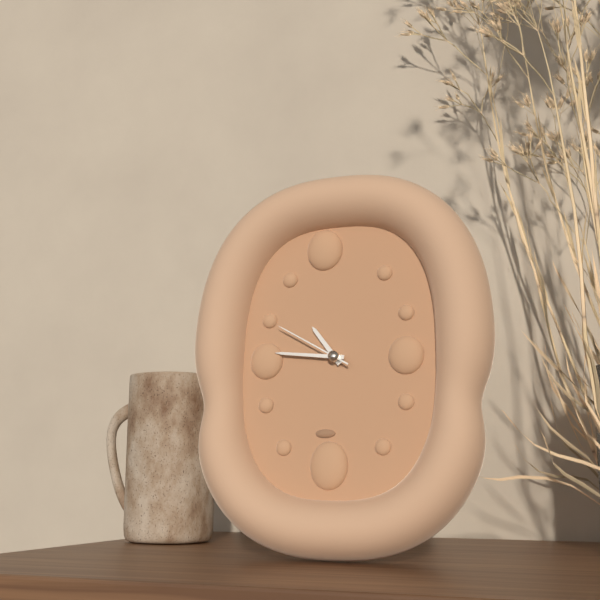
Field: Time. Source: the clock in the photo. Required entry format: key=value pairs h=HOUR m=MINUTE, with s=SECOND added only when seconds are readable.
h=10 m=46 s=50
